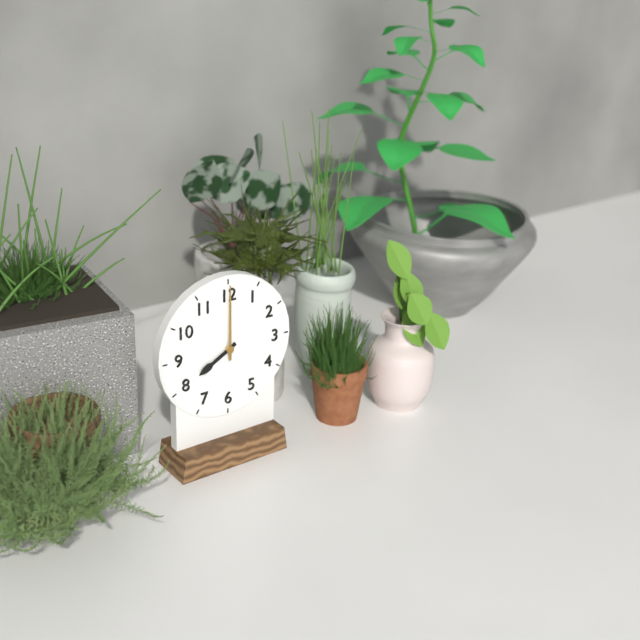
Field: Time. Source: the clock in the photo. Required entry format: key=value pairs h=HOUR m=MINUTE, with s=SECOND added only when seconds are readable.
h=8 m=0
